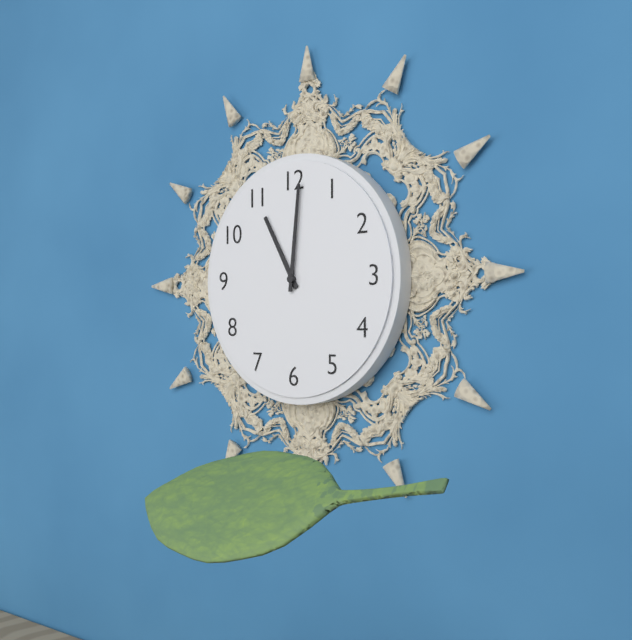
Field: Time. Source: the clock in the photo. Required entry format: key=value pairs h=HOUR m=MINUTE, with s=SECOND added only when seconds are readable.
h=11 m=1
